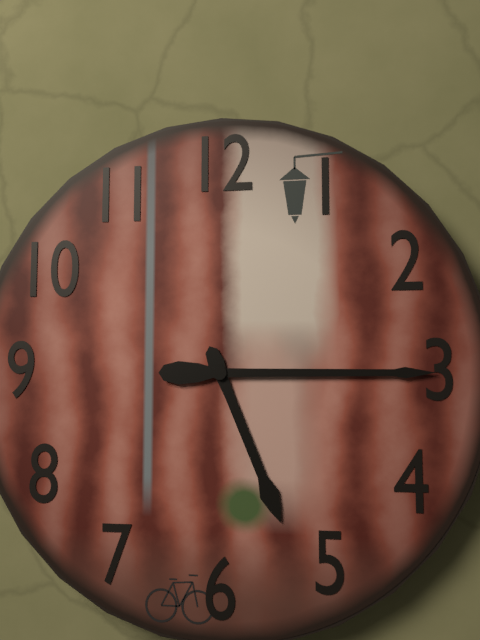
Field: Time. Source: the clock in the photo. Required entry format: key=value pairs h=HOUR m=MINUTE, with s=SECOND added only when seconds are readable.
h=5 m=15
